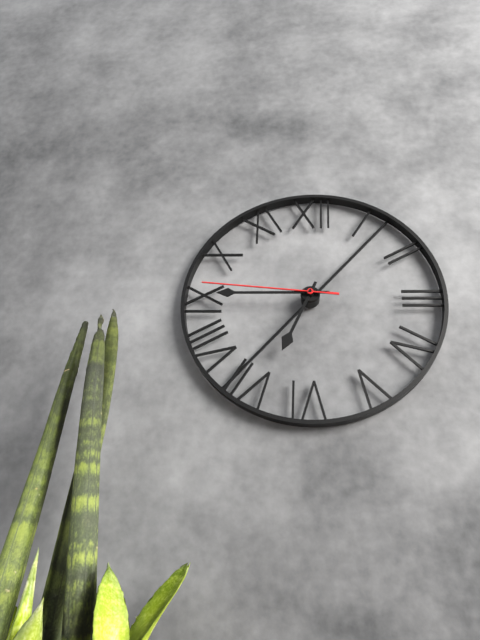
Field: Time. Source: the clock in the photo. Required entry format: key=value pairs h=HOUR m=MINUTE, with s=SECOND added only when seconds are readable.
h=6 m=45 s=46
